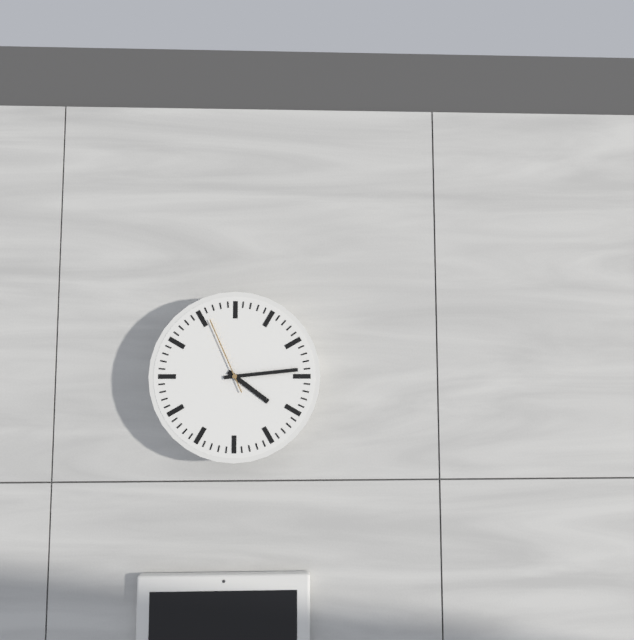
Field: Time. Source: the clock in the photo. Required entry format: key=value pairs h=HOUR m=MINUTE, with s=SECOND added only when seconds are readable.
h=4 m=14 s=56
